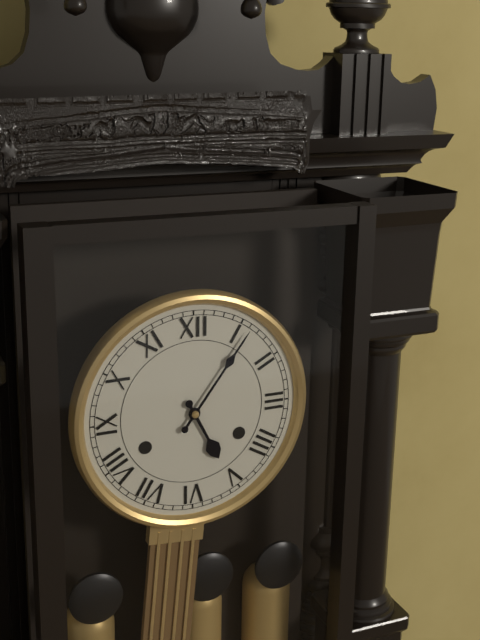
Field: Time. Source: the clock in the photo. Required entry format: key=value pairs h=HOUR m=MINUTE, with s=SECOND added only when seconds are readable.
h=5 m=6
